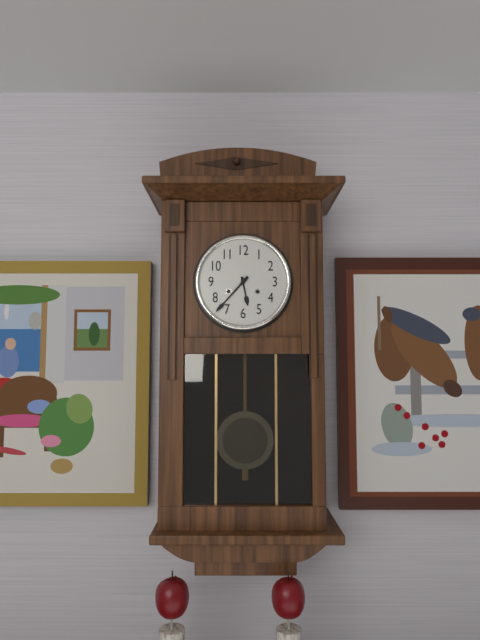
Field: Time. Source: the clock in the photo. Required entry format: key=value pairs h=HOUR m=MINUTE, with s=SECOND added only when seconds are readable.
h=5 m=37
